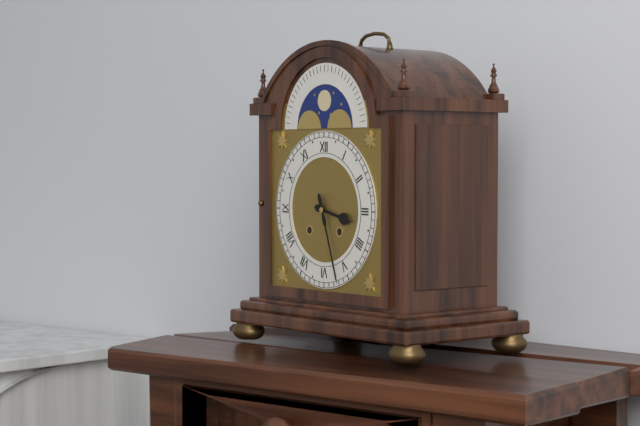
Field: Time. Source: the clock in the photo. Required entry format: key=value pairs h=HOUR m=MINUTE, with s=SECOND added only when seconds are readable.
h=3 m=27
